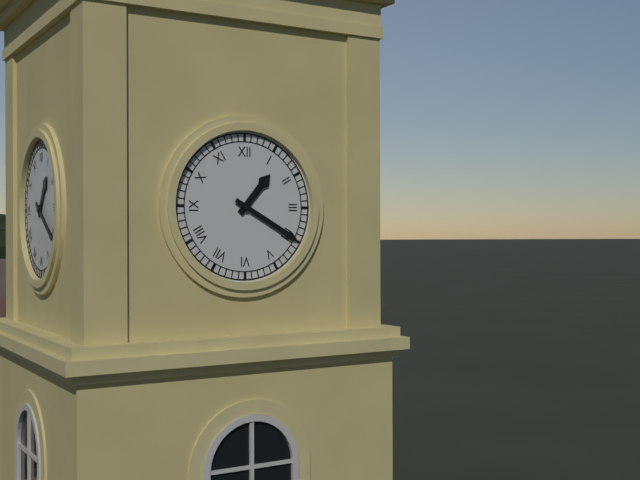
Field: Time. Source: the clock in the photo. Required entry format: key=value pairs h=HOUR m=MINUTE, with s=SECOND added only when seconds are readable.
h=1 m=20
